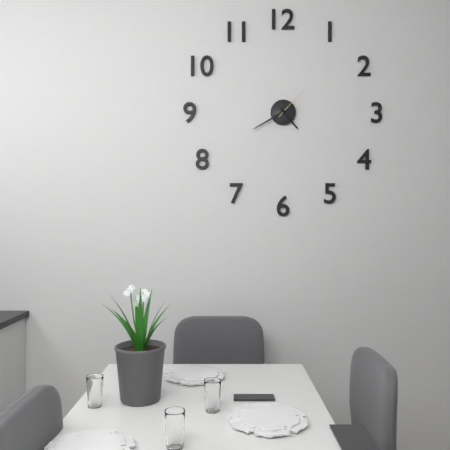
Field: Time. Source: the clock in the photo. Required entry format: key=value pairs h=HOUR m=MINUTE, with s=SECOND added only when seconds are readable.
h=4 m=40
